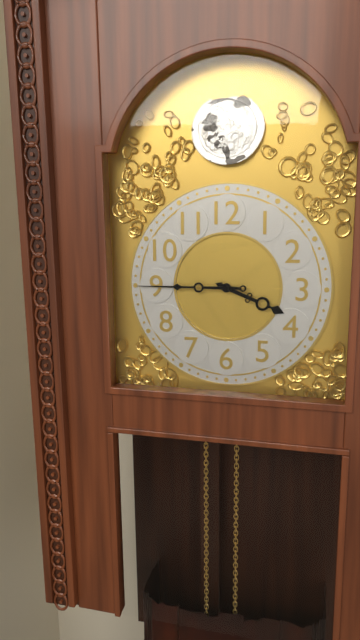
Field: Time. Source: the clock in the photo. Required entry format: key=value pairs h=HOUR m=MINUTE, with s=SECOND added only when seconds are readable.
h=3 m=45
